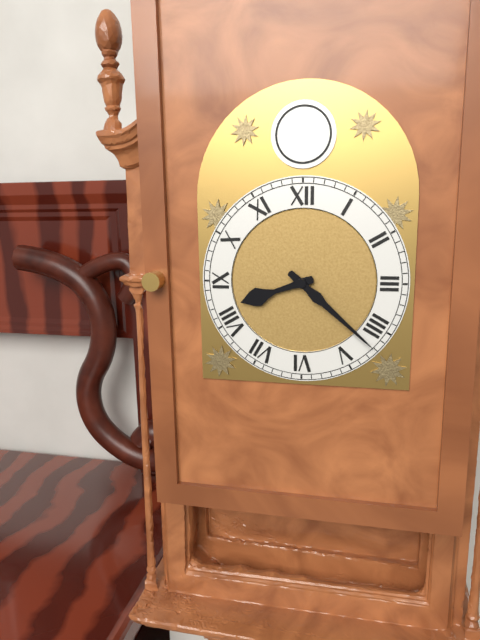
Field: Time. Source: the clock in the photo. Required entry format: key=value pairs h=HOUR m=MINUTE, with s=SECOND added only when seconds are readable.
h=8 m=22
